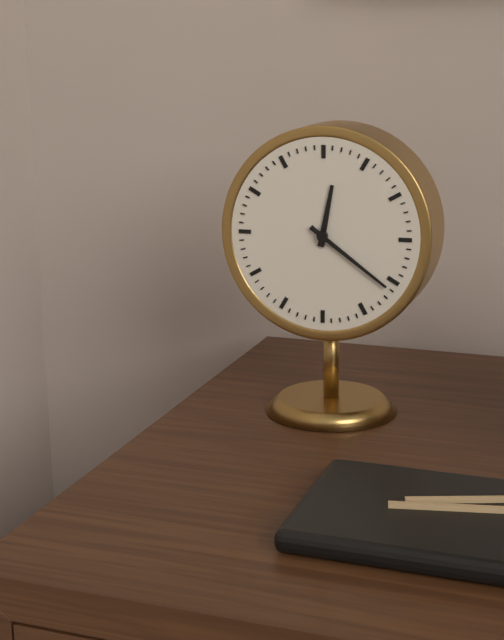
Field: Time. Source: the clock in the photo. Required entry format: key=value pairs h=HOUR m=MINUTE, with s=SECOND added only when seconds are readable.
h=12 m=21
